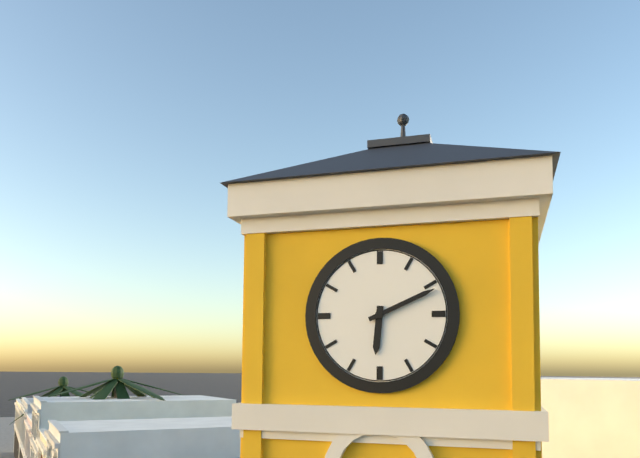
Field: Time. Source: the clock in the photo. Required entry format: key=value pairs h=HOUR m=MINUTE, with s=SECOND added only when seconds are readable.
h=6 m=11
